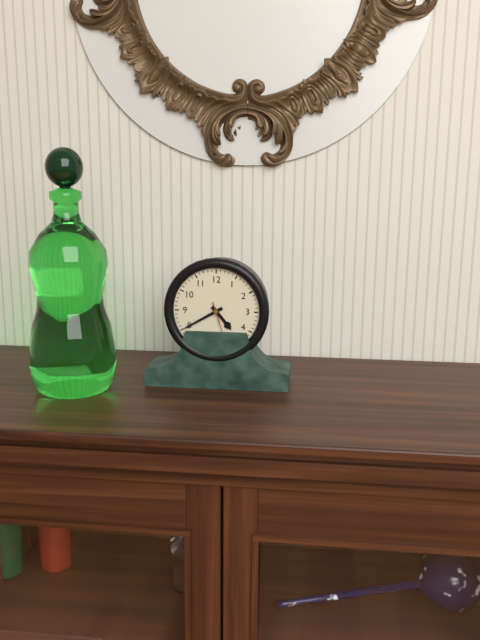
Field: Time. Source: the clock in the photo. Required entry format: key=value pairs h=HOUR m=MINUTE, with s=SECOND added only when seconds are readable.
h=4 m=40
